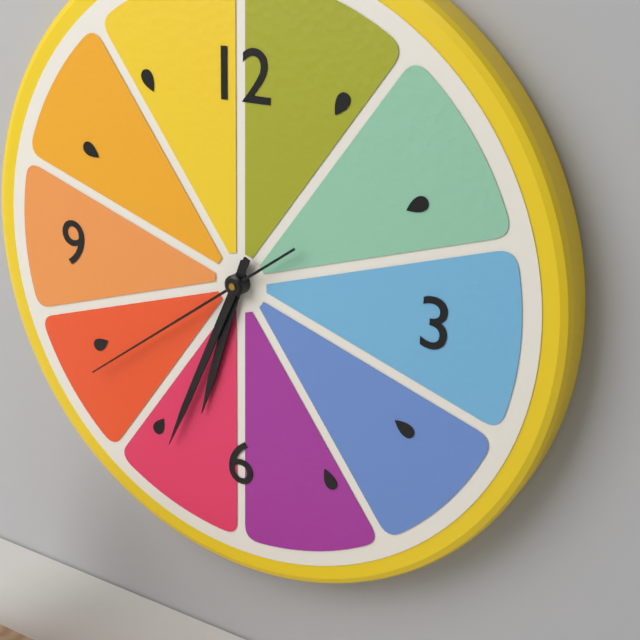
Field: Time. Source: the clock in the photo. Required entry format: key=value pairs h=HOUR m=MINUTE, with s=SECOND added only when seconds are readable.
h=6 m=34 s=39
